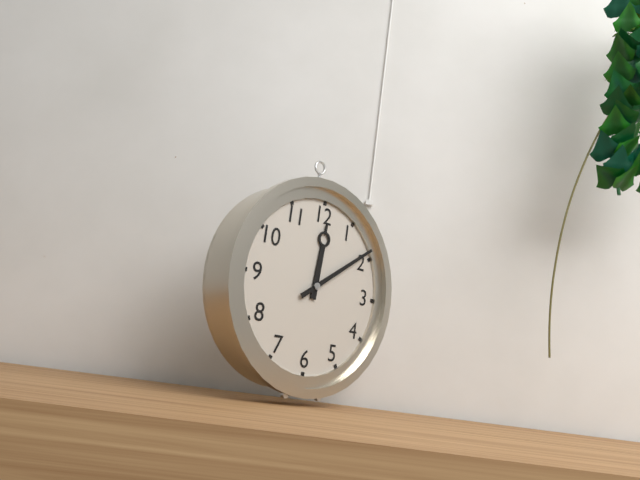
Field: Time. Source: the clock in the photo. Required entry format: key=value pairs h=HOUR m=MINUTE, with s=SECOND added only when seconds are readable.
h=12 m=9
